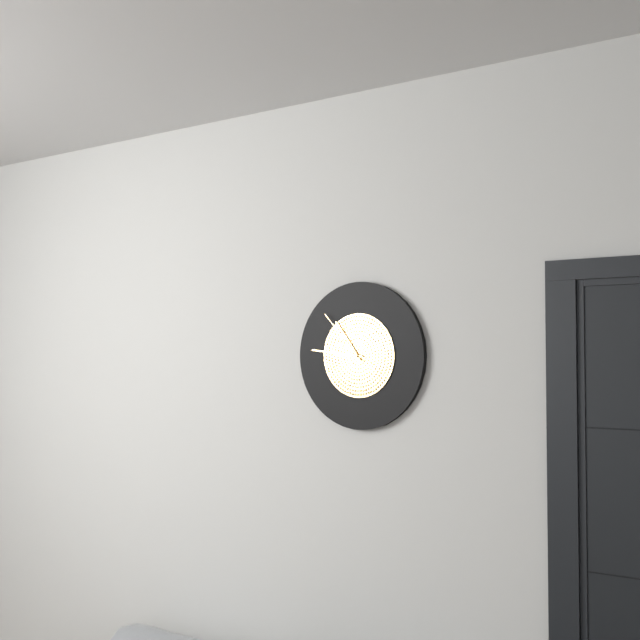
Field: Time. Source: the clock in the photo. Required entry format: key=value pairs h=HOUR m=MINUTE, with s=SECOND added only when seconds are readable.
h=10 m=46 s=53
